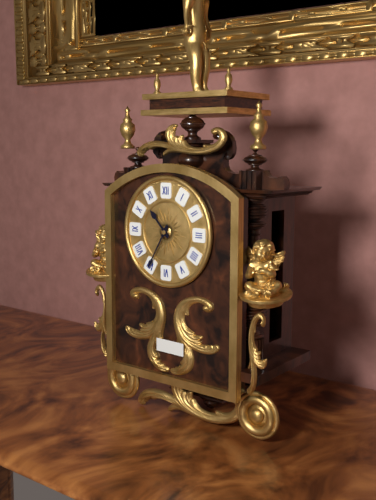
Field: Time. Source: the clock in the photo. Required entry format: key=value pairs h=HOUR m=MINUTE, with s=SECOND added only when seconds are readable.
h=10 m=35
